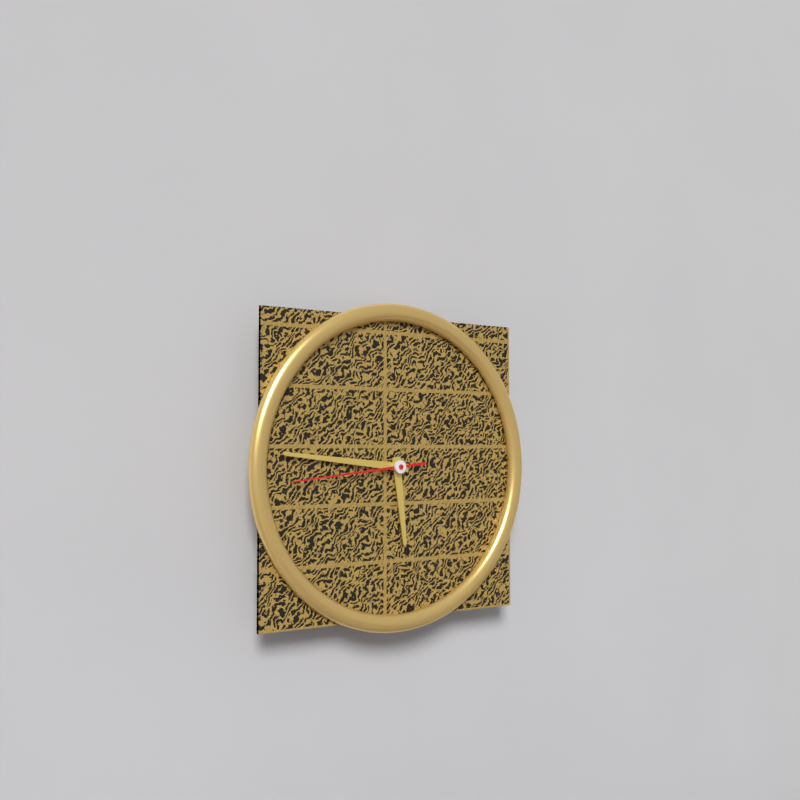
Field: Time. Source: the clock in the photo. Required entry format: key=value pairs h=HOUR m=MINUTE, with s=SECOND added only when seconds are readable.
h=5 m=46 s=44
